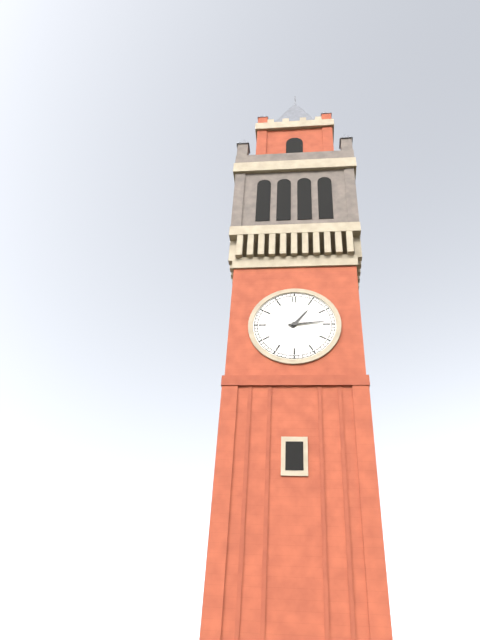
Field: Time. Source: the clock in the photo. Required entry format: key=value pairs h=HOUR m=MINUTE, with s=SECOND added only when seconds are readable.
h=1 m=14
